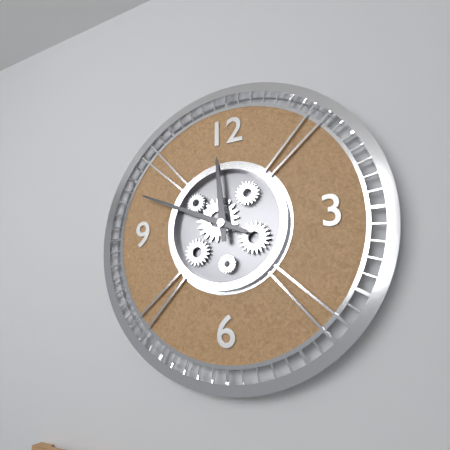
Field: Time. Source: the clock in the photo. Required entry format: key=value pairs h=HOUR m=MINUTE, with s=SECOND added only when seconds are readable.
h=11 m=49
